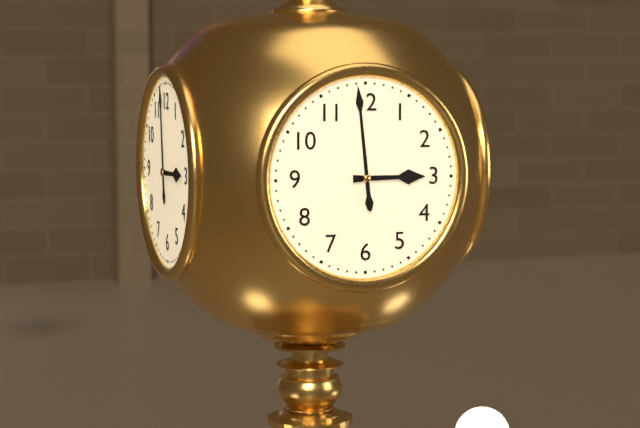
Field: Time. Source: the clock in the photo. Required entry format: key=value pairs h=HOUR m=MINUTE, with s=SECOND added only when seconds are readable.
h=2 m=59
